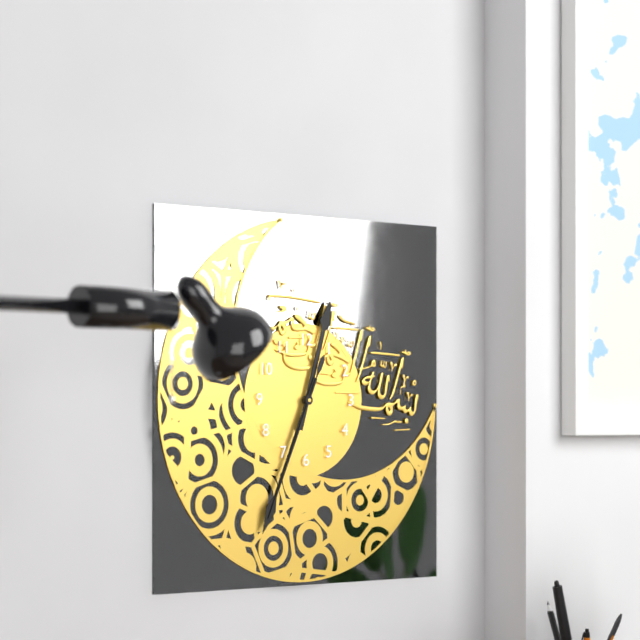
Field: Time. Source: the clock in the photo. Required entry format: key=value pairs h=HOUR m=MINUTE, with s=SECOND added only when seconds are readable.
h=12 m=34 s=34
